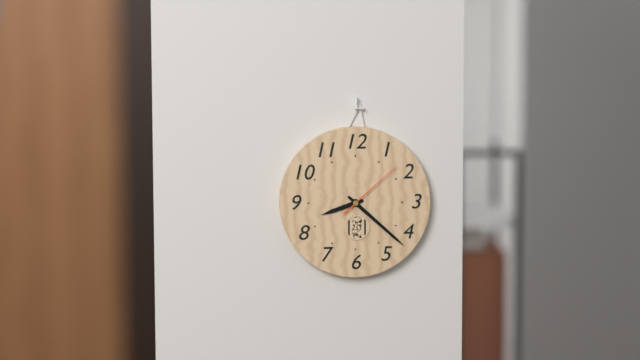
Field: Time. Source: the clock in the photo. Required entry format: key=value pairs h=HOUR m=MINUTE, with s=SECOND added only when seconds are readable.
h=8 m=22 s=8
